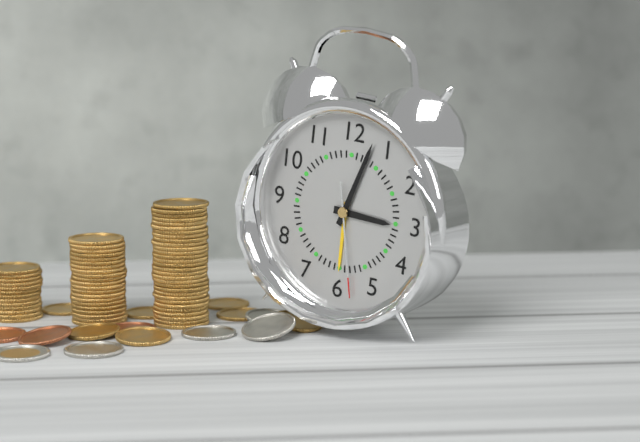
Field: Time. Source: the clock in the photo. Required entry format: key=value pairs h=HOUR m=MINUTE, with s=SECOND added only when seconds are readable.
h=3 m=3 s=28
